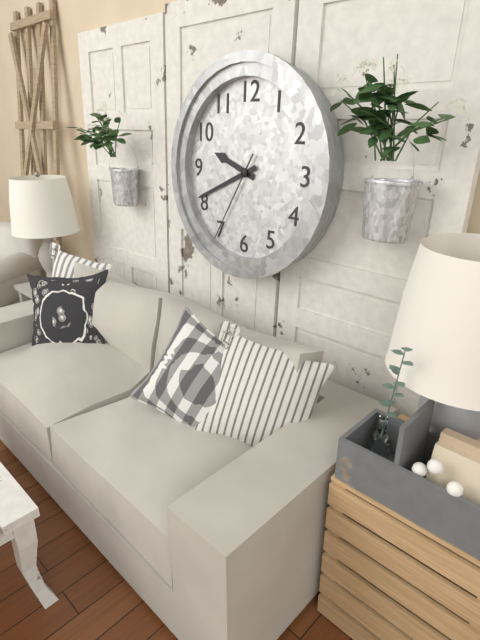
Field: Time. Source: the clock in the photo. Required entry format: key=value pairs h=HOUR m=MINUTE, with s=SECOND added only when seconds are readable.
h=9 m=41 s=35
